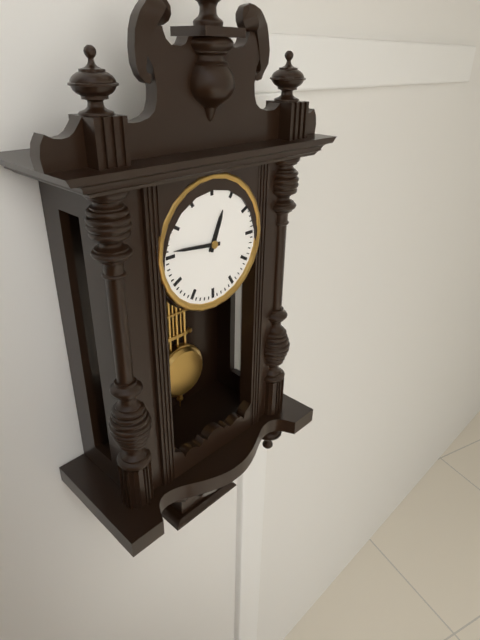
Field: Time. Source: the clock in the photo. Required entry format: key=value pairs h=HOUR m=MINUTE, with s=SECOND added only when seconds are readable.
h=12 m=46
